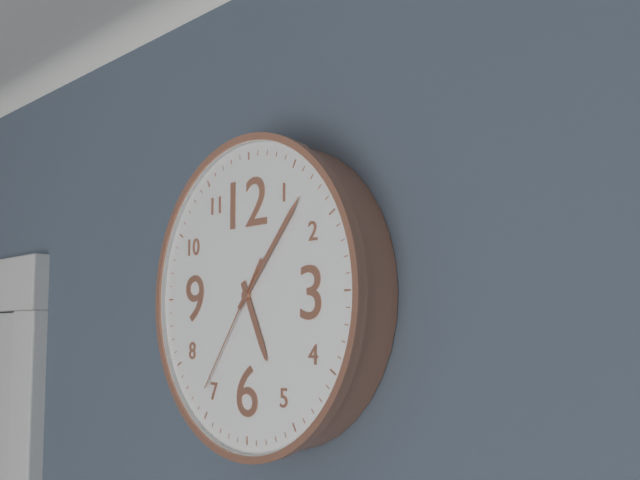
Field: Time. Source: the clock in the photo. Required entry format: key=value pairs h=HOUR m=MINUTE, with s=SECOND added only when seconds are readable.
h=5 m=7 s=36
